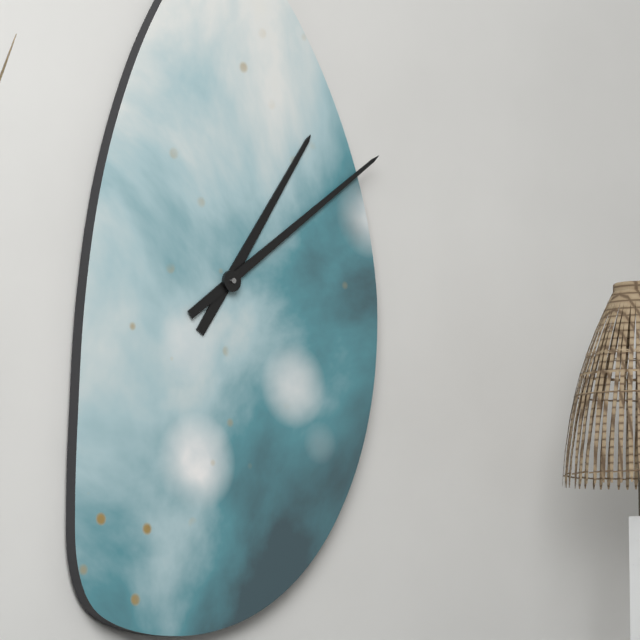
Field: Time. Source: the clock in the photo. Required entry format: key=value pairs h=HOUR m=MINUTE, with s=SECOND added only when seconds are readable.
h=1 m=9
